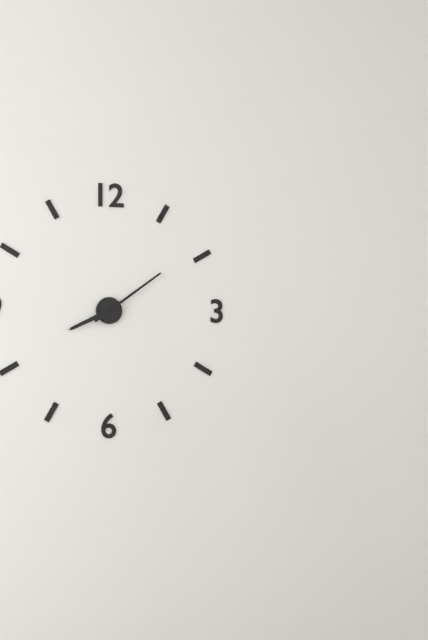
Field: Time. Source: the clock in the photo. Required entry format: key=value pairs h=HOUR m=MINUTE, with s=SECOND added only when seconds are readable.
h=8 m=9
